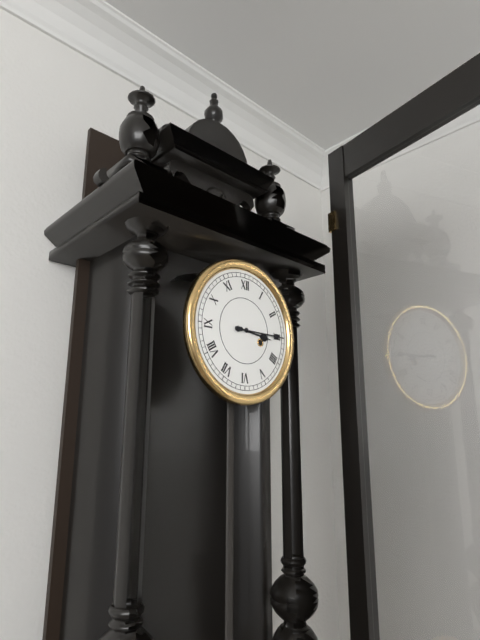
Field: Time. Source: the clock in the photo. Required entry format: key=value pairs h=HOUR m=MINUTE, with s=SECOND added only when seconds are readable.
h=3 m=15
